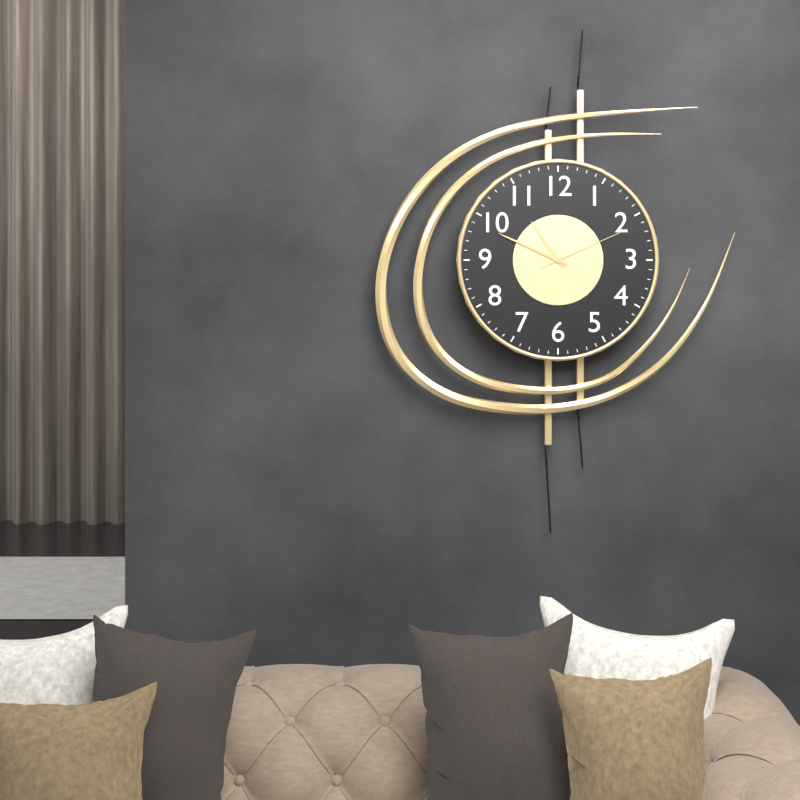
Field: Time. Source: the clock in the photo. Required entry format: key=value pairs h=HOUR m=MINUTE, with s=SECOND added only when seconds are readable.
h=10 m=49 s=11
